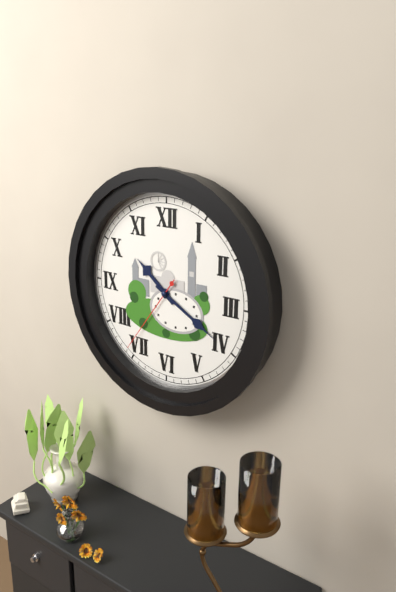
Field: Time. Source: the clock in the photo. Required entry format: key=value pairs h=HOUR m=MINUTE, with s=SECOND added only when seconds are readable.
h=10 m=20 s=36
